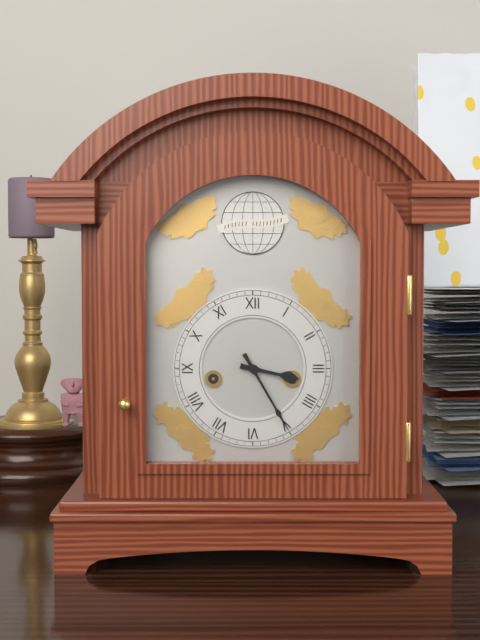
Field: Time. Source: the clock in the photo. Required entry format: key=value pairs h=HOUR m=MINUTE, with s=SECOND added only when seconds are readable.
h=3 m=25
